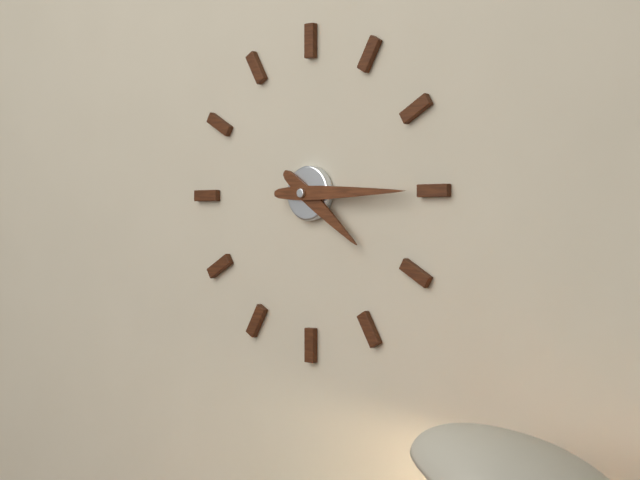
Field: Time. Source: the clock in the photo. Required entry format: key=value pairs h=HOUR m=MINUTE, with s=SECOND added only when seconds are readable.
h=4 m=15
